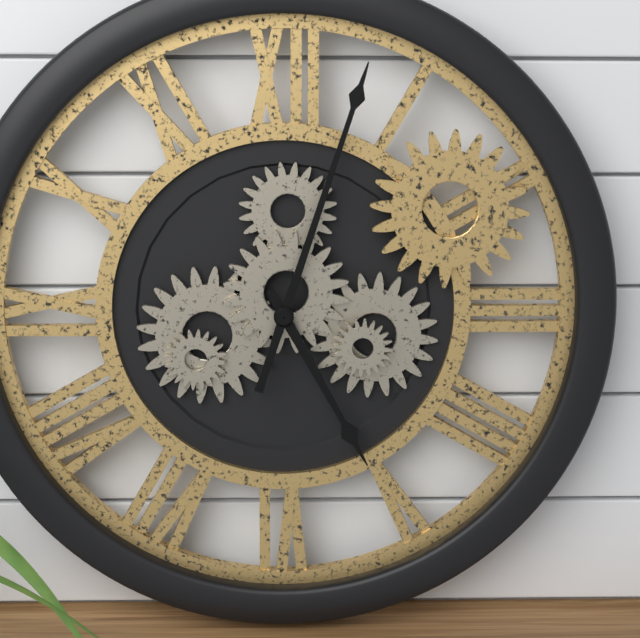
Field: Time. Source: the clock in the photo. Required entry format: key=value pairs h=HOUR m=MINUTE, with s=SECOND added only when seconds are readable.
h=5 m=3
